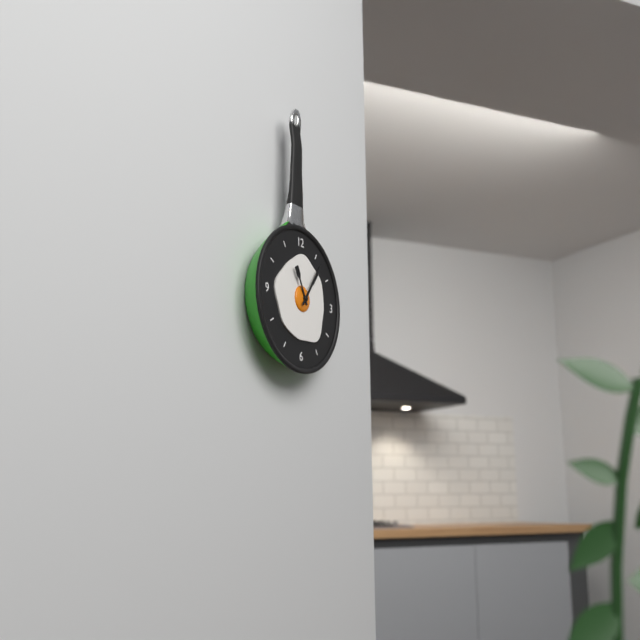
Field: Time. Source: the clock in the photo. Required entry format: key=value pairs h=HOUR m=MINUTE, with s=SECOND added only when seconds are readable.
h=11 m=6
